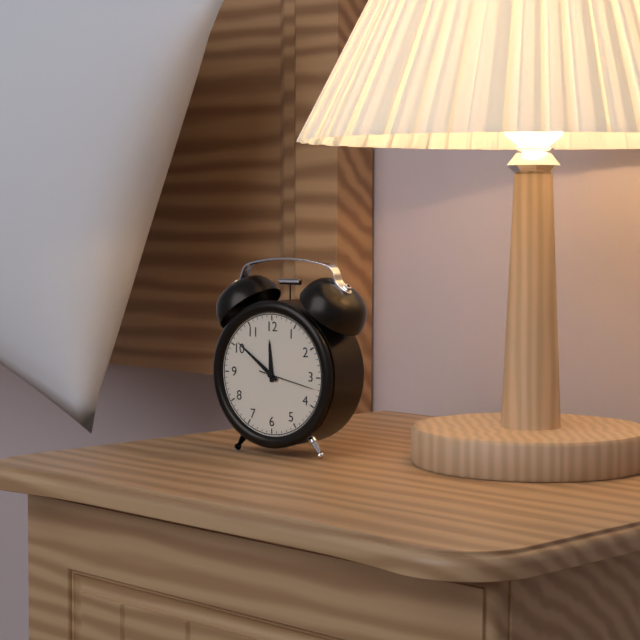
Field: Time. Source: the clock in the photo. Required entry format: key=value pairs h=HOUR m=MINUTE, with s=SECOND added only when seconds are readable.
h=11 m=51 s=17
